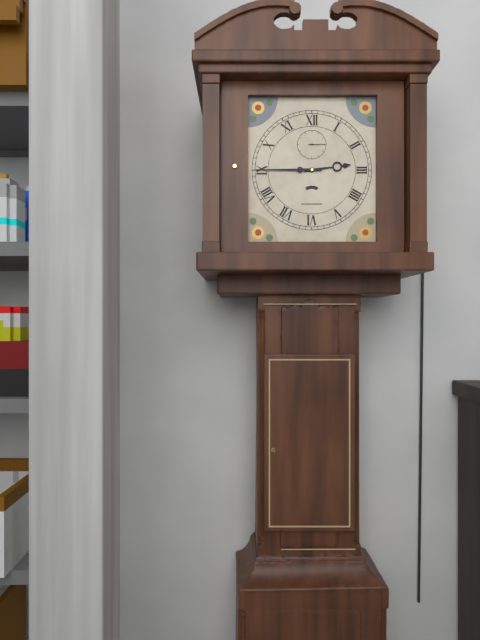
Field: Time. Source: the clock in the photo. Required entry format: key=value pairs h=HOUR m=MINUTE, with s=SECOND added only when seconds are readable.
h=2 m=45
